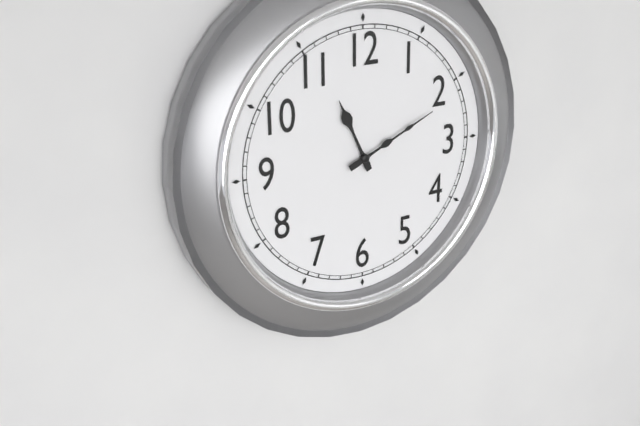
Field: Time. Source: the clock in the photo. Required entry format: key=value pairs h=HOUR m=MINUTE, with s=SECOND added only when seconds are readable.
h=11 m=11
